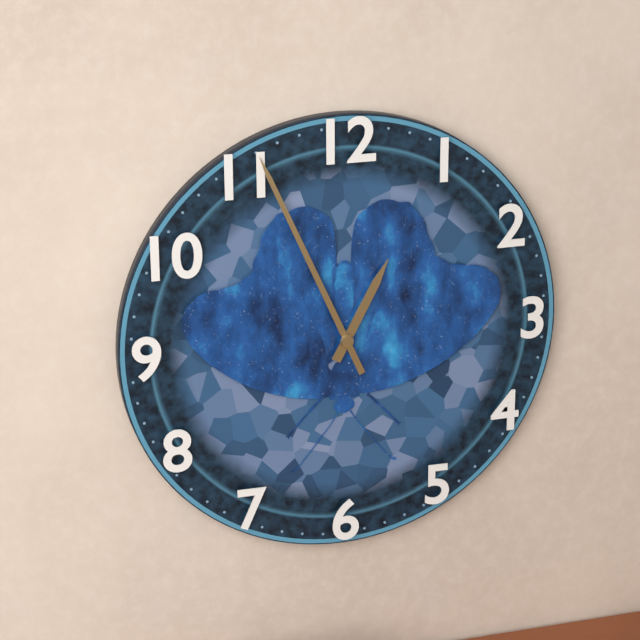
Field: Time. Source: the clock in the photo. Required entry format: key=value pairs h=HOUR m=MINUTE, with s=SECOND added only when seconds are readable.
h=12 m=56
